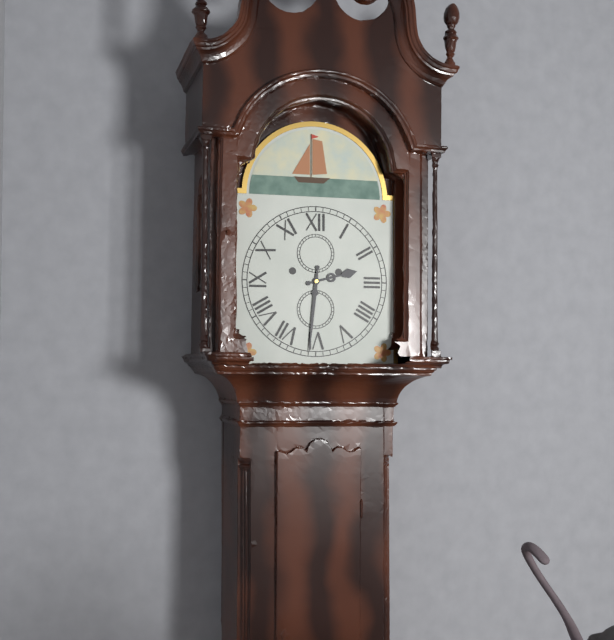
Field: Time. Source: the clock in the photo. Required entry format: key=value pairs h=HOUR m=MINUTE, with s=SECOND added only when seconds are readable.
h=2 m=31
